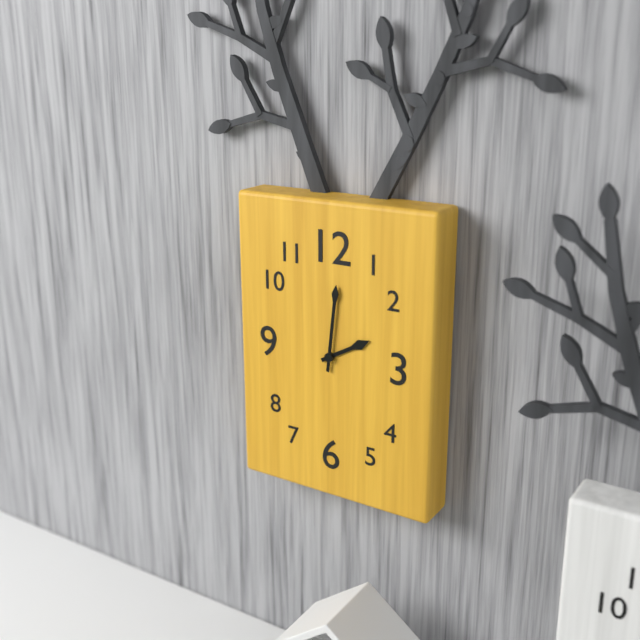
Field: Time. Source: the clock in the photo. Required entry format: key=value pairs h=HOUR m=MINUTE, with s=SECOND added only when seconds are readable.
h=2 m=1
